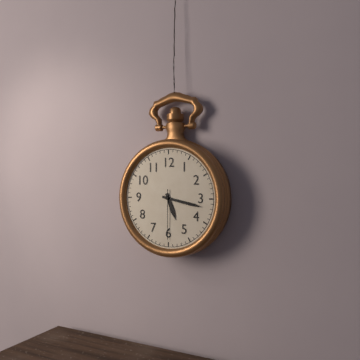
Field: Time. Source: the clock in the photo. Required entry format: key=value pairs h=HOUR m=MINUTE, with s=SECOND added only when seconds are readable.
h=5 m=17 s=30
